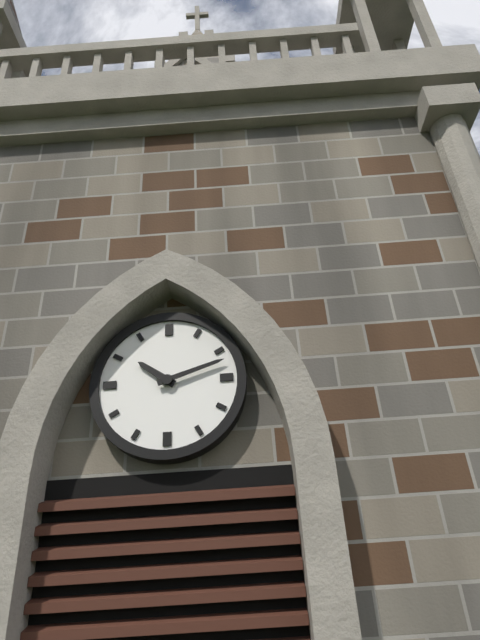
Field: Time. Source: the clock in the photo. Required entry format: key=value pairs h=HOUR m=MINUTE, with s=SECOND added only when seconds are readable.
h=10 m=12
